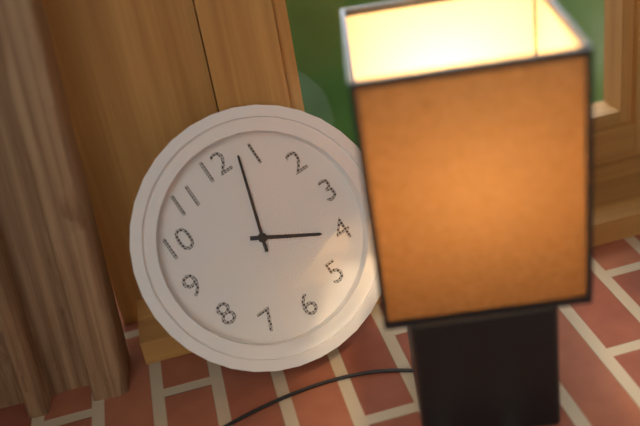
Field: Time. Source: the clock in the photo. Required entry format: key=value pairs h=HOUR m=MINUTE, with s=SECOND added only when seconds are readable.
h=4 m=3
